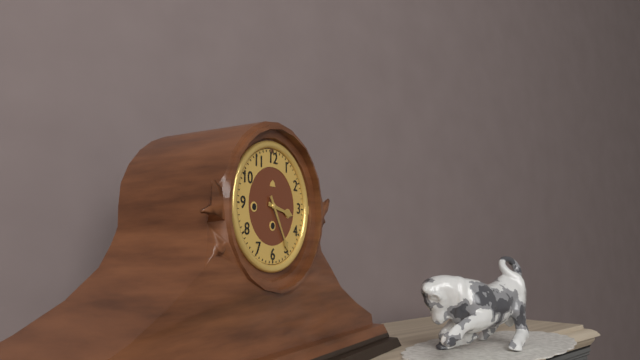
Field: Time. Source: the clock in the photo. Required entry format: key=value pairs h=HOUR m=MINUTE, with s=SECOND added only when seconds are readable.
h=3 m=25
